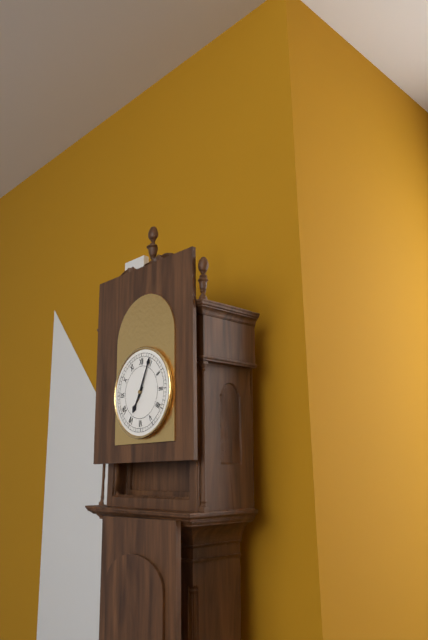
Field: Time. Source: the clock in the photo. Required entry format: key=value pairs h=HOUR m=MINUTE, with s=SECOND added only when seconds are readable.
h=7 m=4
